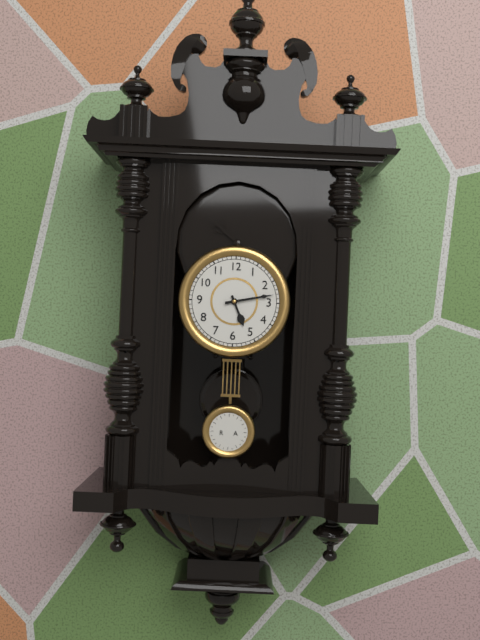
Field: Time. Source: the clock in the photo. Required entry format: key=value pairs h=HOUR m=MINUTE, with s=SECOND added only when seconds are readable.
h=5 m=13
